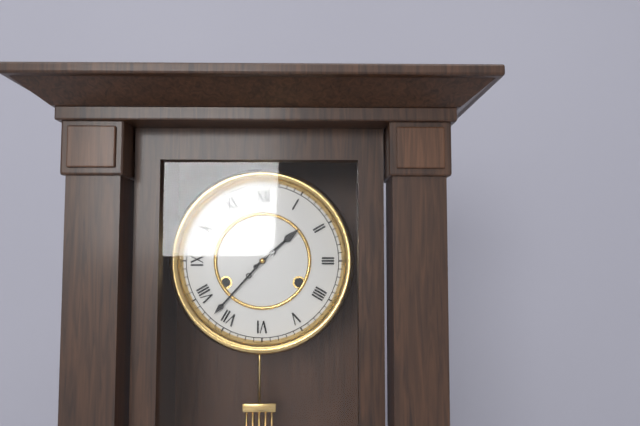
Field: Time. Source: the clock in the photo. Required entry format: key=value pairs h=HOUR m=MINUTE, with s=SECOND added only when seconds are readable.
h=1 m=37
